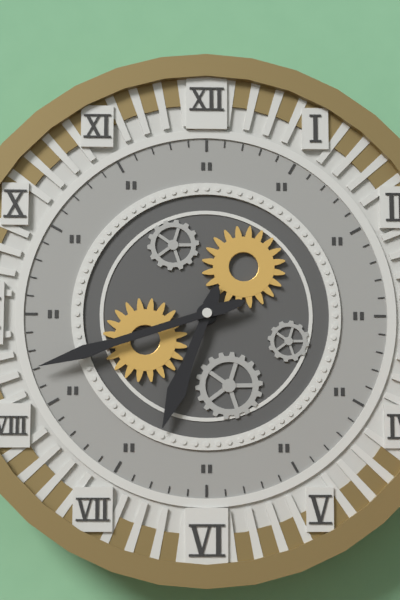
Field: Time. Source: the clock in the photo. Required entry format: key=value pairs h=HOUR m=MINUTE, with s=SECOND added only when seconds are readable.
h=6 m=42
